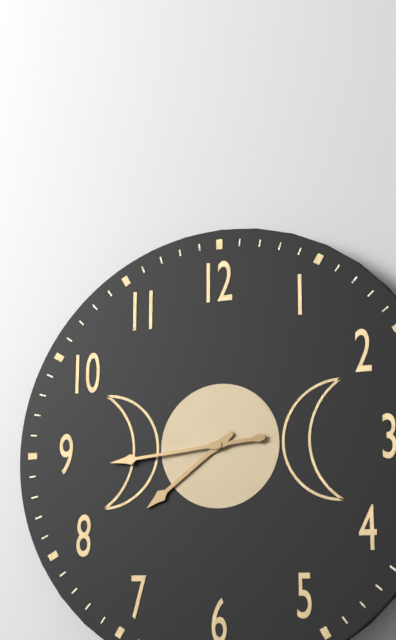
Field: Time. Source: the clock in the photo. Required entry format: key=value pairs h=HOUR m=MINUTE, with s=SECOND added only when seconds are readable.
h=7 m=44
